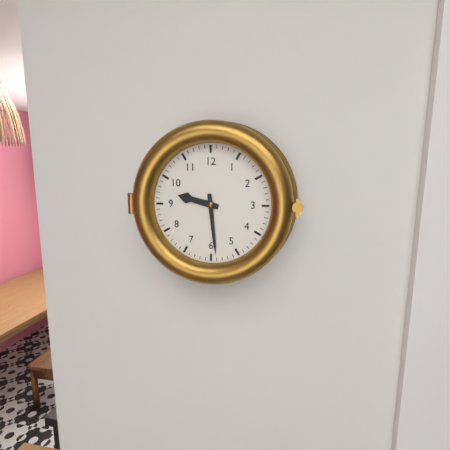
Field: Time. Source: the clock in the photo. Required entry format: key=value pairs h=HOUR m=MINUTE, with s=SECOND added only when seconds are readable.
h=9 m=29
